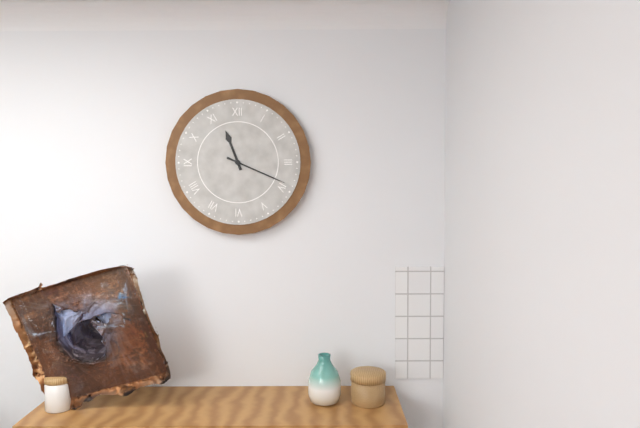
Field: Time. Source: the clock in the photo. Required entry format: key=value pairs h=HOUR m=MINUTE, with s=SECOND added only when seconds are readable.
h=11 m=19
